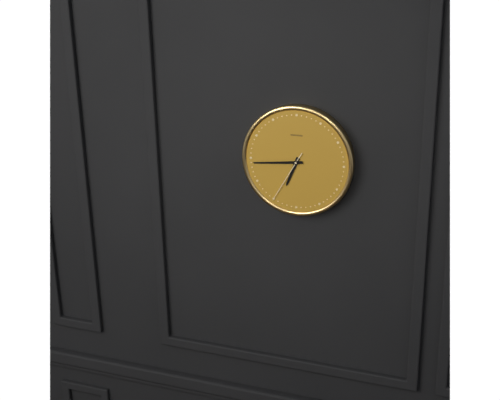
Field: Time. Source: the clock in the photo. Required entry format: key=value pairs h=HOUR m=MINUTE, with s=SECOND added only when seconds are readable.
h=6 m=44 s=35
